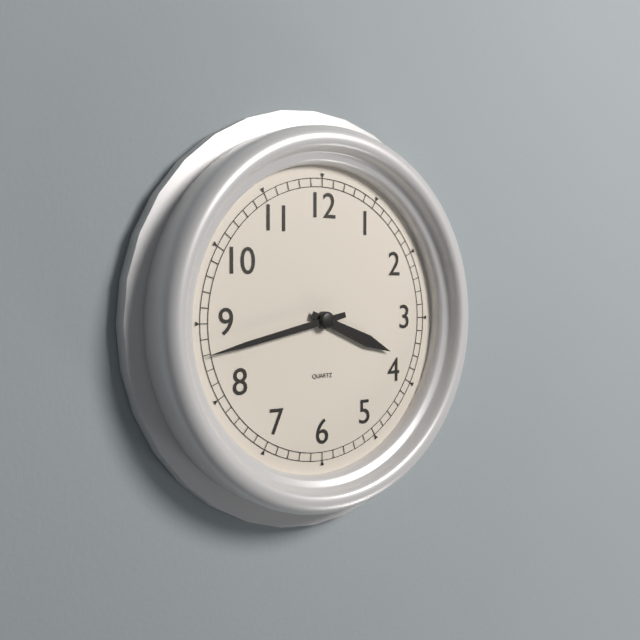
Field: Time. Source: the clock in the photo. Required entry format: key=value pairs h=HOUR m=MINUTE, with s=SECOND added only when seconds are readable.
h=3 m=43
